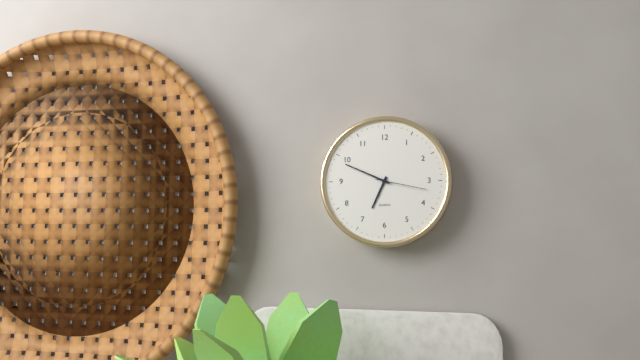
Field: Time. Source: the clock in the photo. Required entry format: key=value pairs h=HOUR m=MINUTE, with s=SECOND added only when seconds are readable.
h=6 m=49 s=17
